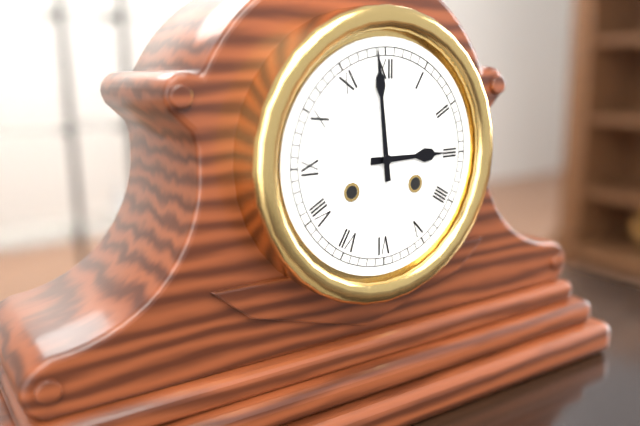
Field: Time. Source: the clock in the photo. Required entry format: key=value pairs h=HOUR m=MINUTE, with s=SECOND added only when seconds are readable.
h=2 m=59
